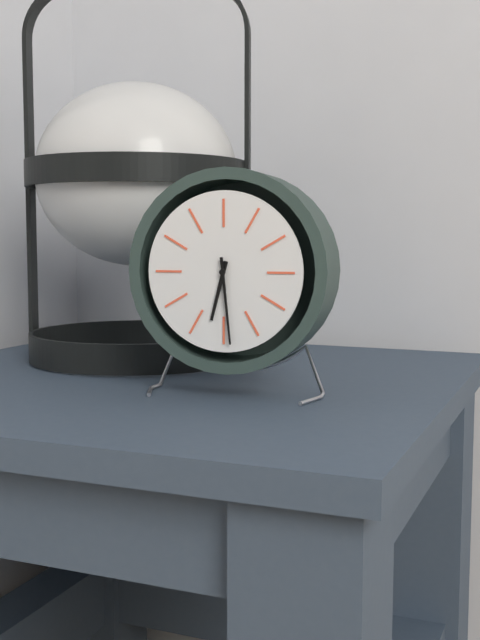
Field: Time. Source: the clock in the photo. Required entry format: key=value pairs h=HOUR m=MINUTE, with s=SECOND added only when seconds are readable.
h=6 m=29
